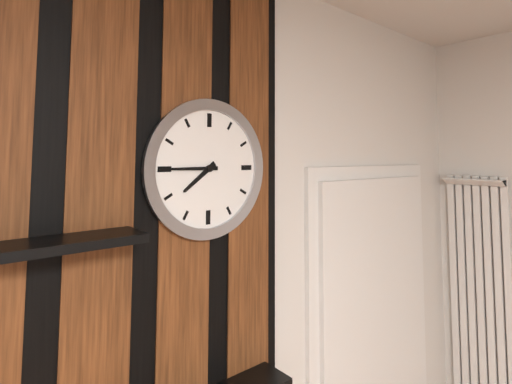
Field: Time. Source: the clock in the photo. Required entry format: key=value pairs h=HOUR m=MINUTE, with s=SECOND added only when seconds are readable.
h=7 m=45
